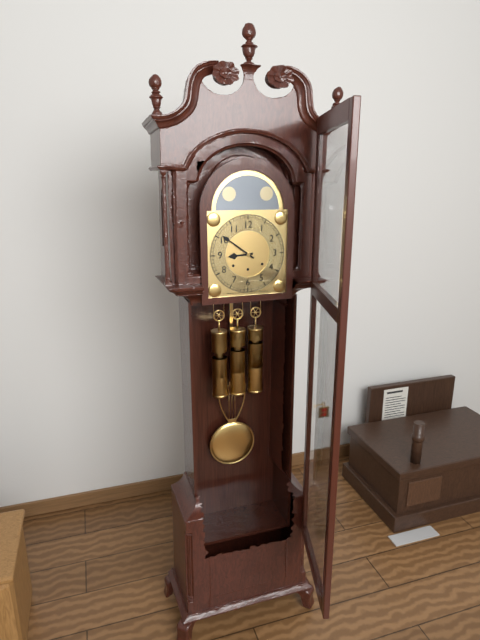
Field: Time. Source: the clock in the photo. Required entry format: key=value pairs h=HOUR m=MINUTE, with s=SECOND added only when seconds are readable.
h=8 m=51
